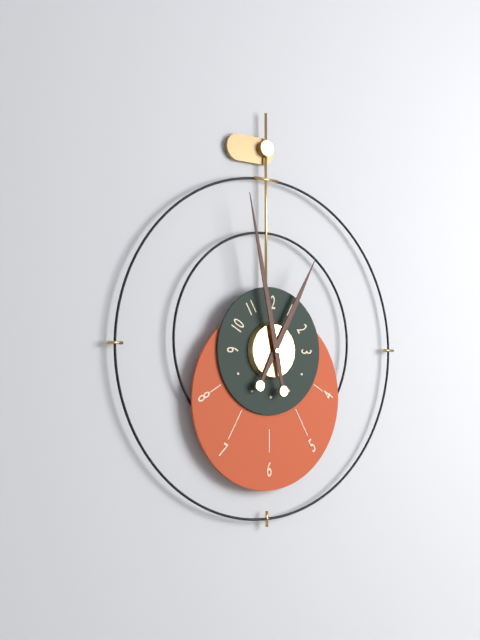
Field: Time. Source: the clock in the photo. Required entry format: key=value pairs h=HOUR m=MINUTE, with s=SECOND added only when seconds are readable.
h=12 m=58
